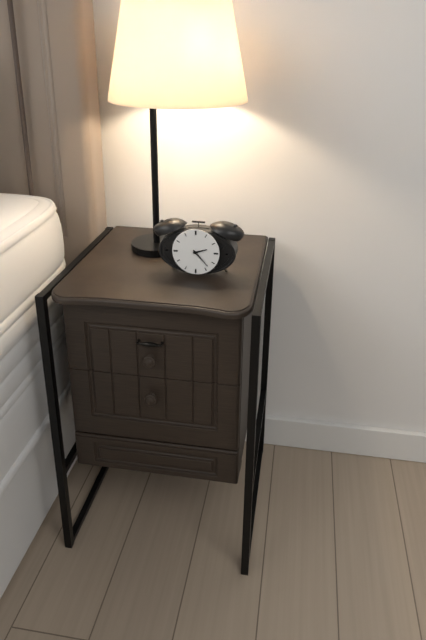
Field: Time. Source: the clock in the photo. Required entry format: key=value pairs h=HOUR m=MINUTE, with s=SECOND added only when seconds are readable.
h=2 m=23
